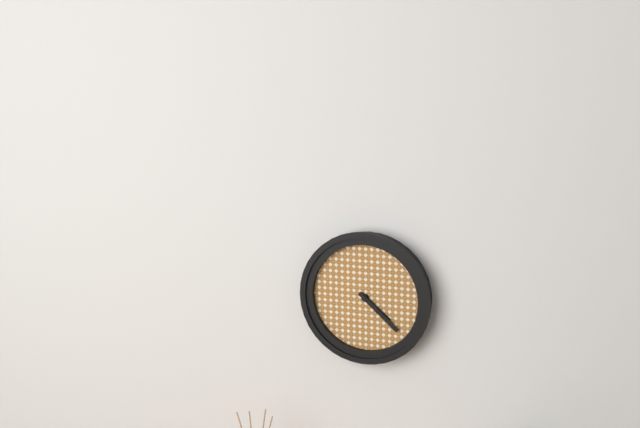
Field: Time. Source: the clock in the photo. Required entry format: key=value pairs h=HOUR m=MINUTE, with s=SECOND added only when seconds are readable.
h=4 m=22
